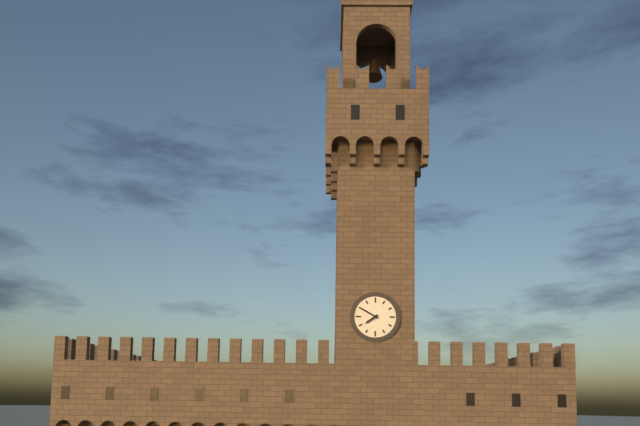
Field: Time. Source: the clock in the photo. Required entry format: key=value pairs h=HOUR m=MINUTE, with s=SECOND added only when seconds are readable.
h=7 m=50
